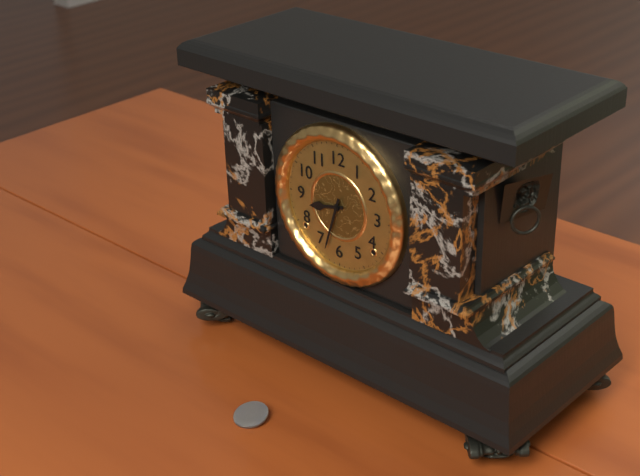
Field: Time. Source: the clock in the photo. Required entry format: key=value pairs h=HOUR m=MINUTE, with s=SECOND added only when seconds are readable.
h=8 m=33
